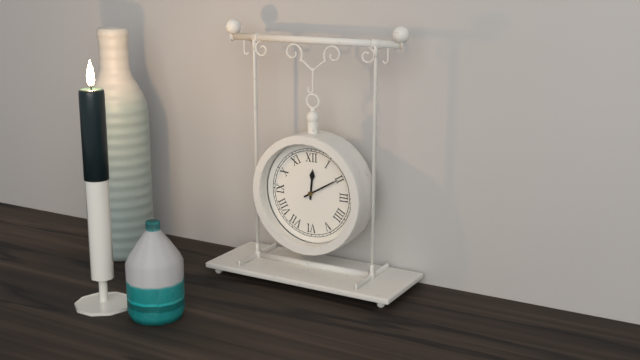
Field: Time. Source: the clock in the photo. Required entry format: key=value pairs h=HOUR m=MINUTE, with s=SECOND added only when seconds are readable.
h=12 m=10
